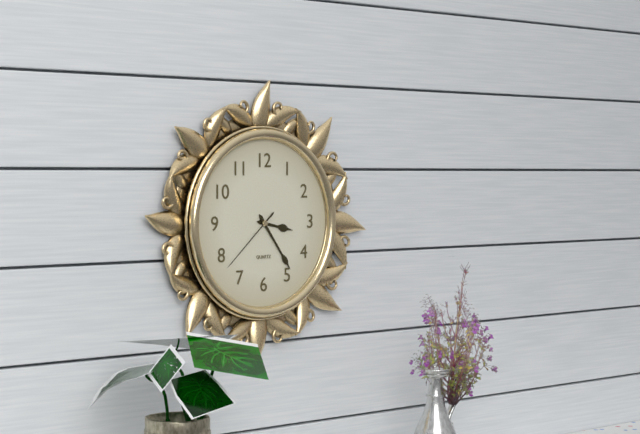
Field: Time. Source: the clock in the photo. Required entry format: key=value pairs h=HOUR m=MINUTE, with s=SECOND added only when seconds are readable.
h=3 m=24 s=38
